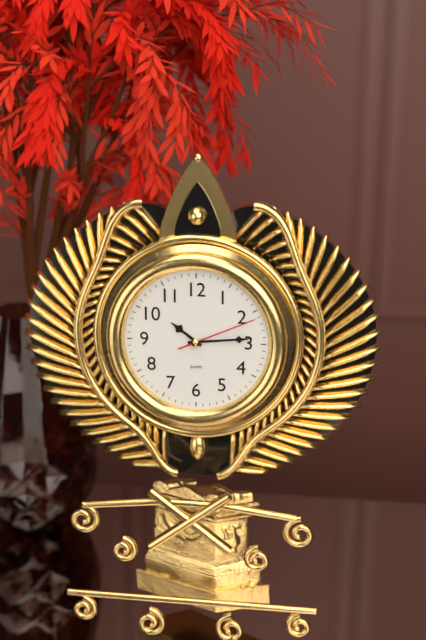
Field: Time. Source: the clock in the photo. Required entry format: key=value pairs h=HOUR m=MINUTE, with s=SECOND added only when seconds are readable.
h=10 m=14 s=11
